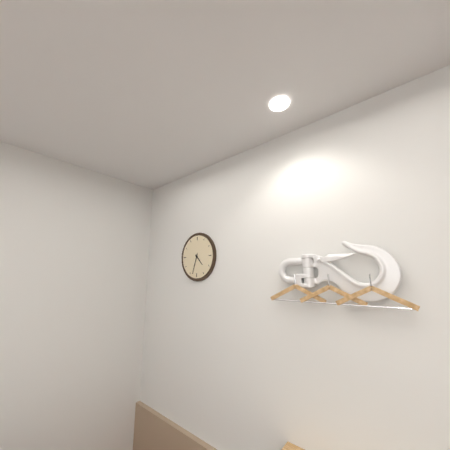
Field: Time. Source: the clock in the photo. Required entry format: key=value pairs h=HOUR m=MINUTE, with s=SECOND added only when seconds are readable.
h=4 m=33
